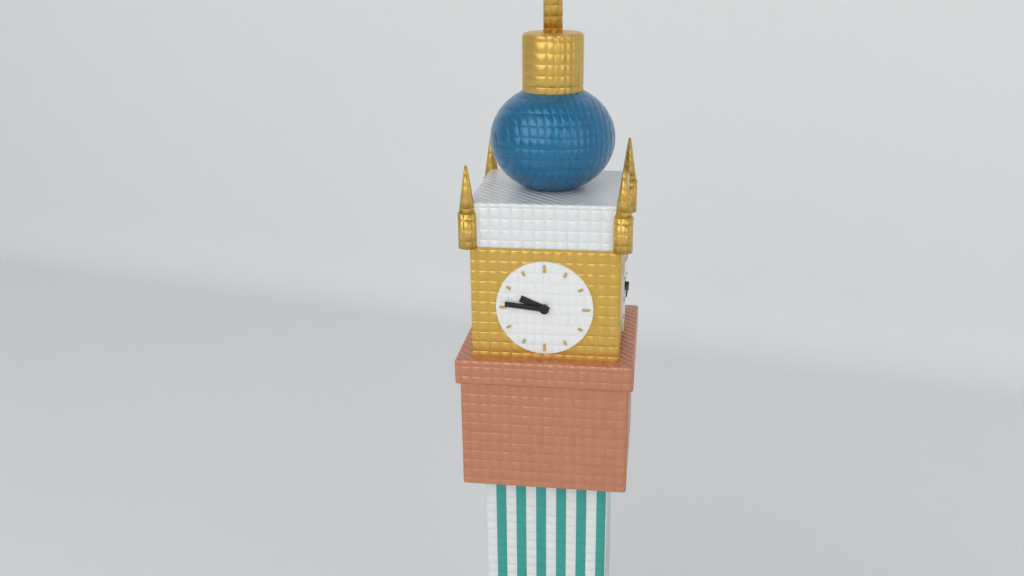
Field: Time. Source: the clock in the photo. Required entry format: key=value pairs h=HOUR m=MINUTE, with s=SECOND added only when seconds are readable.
h=9 m=46
